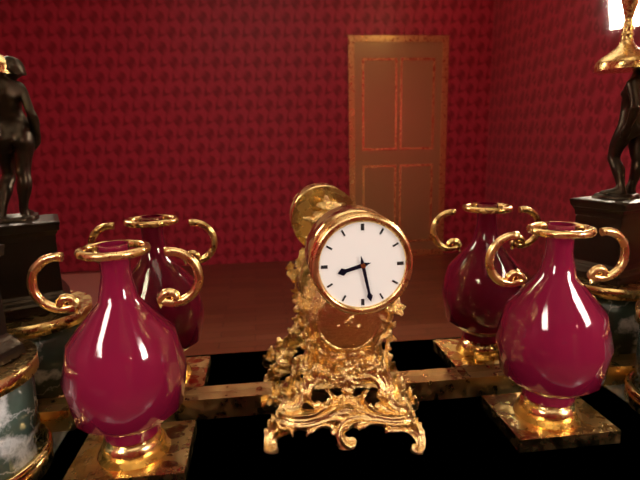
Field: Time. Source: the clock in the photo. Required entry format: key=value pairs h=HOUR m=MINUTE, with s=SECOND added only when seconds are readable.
h=8 m=28
